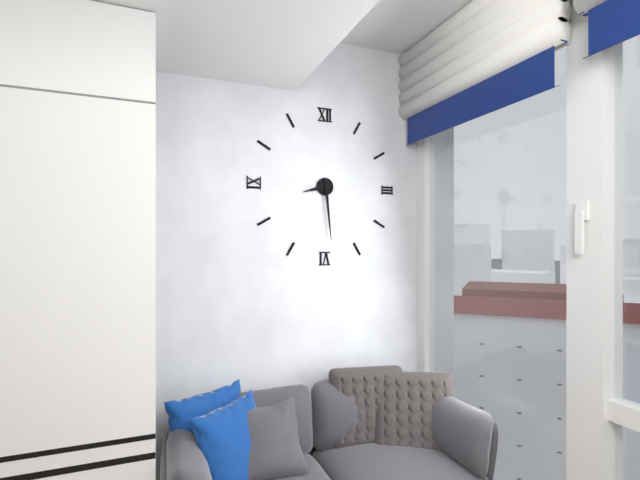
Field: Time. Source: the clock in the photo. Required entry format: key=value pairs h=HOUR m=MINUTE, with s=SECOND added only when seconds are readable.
h=8 m=29
